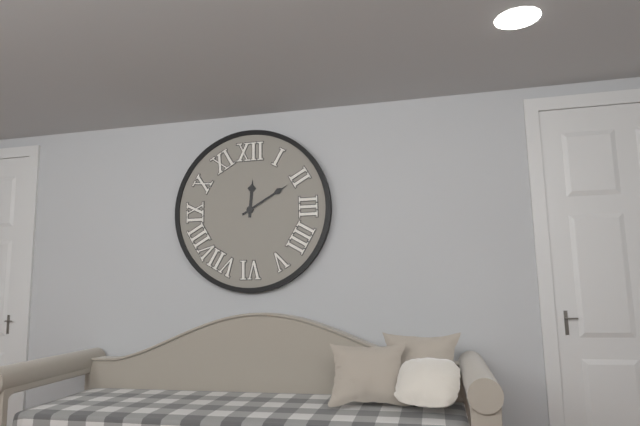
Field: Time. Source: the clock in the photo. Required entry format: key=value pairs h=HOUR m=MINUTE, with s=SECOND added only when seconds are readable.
h=12 m=10
